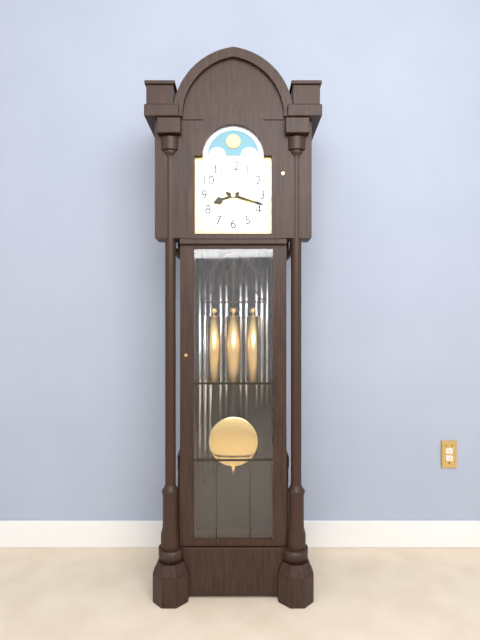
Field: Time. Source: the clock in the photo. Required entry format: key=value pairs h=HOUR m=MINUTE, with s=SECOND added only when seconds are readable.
h=8 m=18
